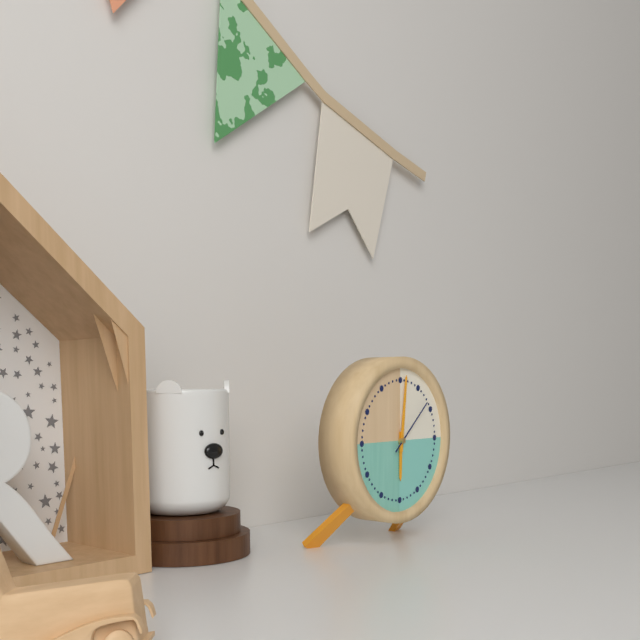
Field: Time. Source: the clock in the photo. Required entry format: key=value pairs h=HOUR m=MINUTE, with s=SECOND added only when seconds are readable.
h=6 m=1 s=8
